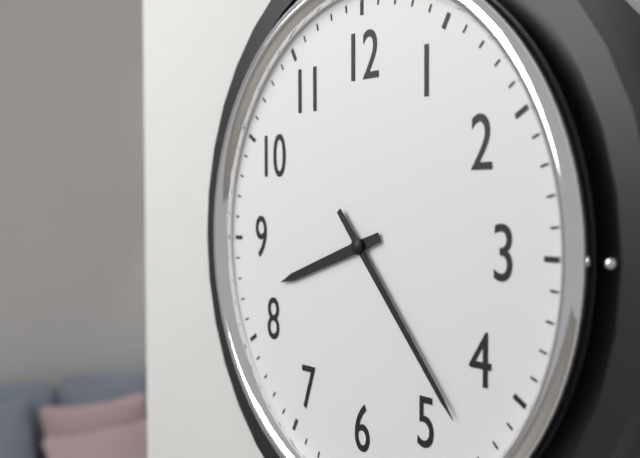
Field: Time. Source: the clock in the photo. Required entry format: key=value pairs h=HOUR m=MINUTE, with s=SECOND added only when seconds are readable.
h=8 m=23
